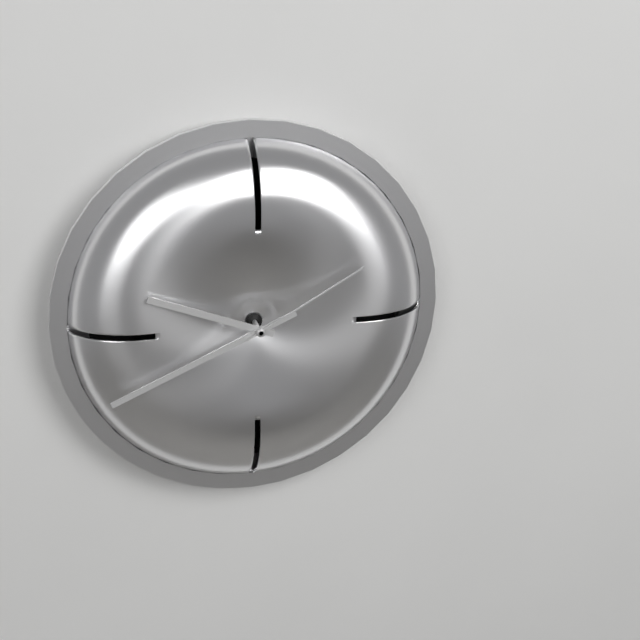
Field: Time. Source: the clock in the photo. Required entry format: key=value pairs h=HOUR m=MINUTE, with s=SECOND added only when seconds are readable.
h=9 m=41 s=10
